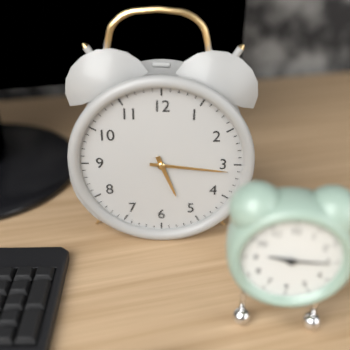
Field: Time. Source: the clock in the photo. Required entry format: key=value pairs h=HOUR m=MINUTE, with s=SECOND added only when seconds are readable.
h=5 m=16
